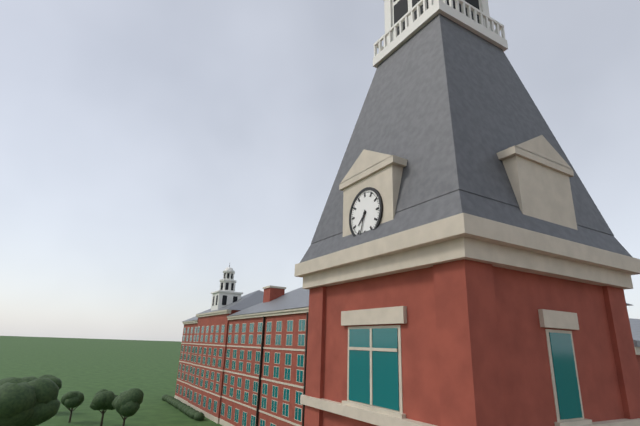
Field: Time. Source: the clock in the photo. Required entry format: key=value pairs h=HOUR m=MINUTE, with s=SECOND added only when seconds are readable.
h=7 m=33
